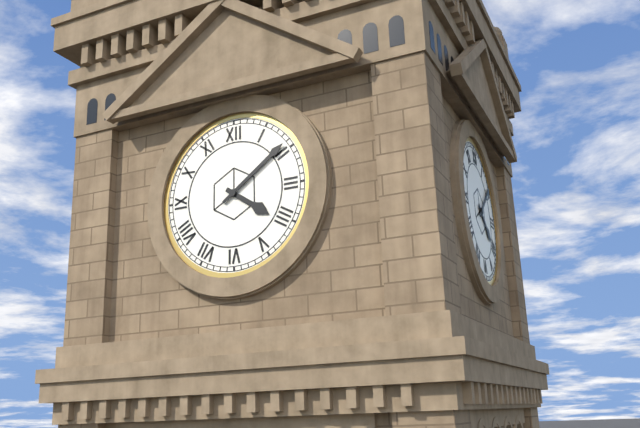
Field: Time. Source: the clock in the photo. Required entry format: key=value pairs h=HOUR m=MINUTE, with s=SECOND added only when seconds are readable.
h=4 m=9
